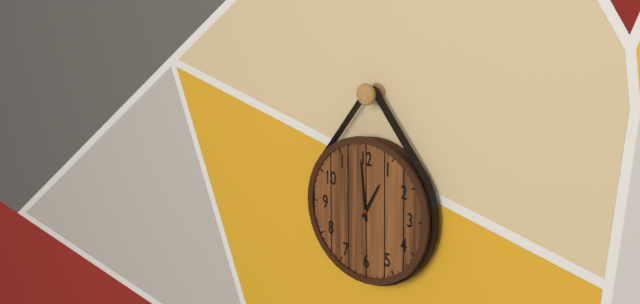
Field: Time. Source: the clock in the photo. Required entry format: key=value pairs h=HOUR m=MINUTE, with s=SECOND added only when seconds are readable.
h=12 m=59
